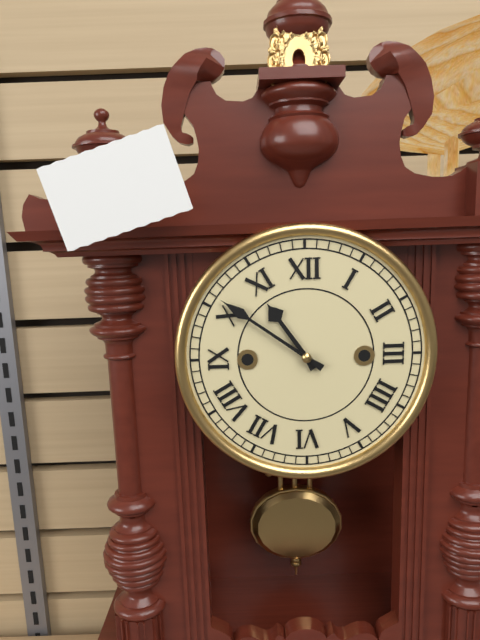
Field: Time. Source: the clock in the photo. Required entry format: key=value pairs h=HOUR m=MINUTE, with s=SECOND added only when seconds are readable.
h=10 m=51
